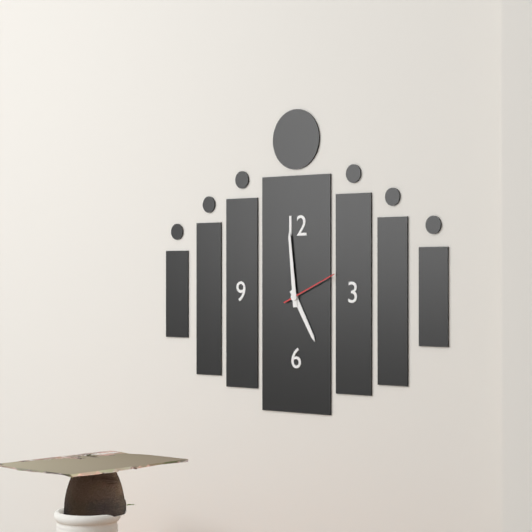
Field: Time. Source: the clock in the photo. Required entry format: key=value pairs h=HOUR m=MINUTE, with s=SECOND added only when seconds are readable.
h=4 m=59 s=11
